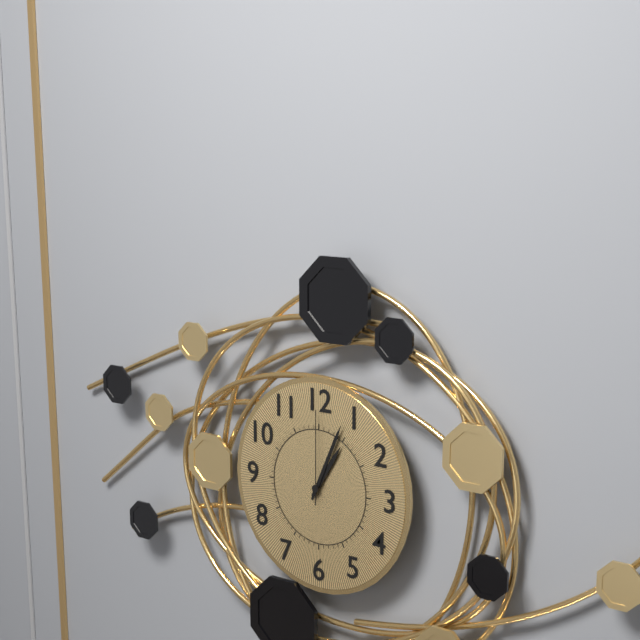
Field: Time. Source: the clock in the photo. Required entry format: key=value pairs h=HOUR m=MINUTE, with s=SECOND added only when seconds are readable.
h=1 m=4 s=0
